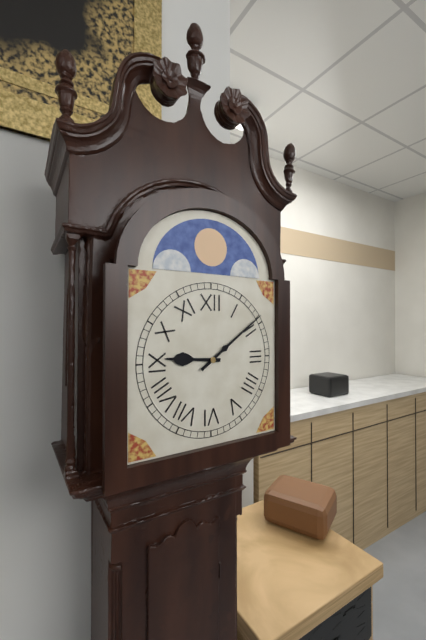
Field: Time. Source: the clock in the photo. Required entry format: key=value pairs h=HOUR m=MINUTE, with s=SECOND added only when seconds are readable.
h=9 m=9
